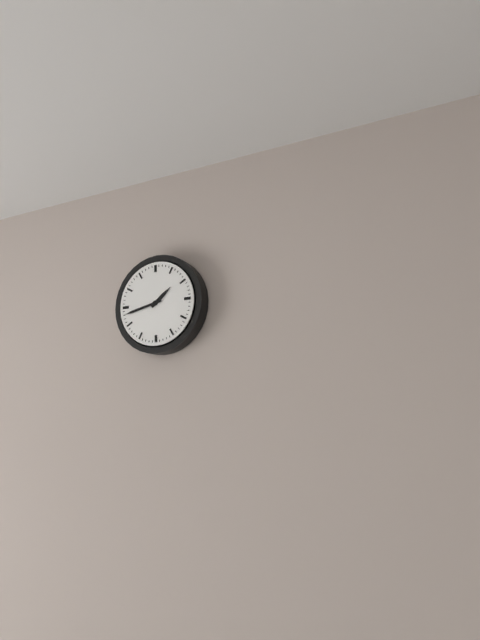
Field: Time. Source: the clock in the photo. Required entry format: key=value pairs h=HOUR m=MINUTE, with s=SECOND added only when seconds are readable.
h=1 m=43
